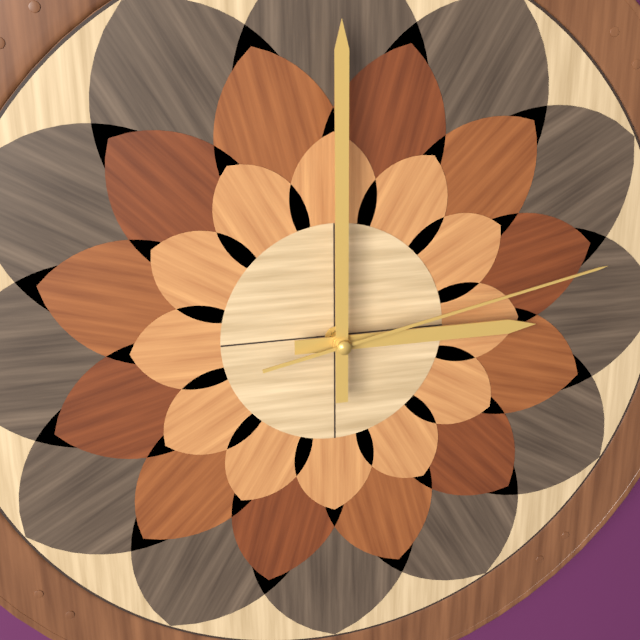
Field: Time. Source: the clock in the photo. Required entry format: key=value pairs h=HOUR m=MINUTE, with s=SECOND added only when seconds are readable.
h=3 m=0 s=13
